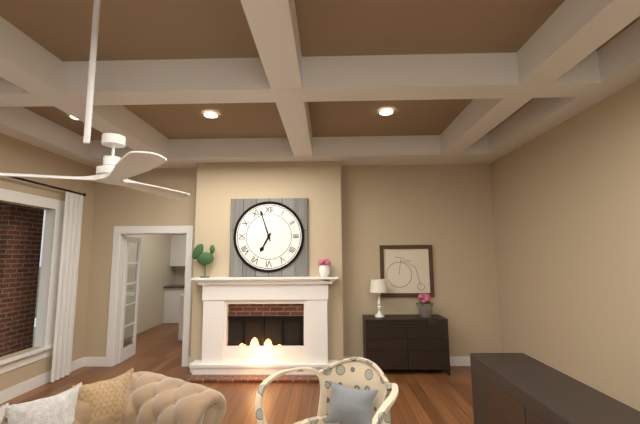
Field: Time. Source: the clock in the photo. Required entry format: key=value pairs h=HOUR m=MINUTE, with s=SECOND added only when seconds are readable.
h=6 m=57
